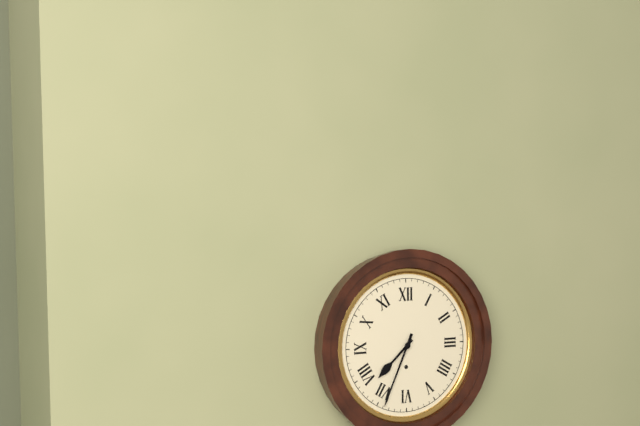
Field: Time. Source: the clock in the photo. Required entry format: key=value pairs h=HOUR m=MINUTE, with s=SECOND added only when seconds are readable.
h=7 m=34
